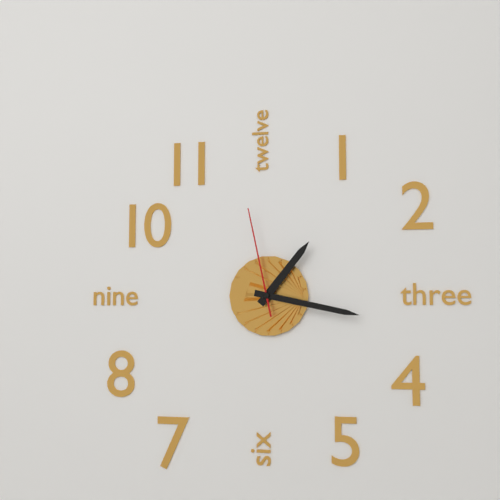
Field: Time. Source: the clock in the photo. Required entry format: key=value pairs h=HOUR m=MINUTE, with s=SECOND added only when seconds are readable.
h=1 m=17 s=58
